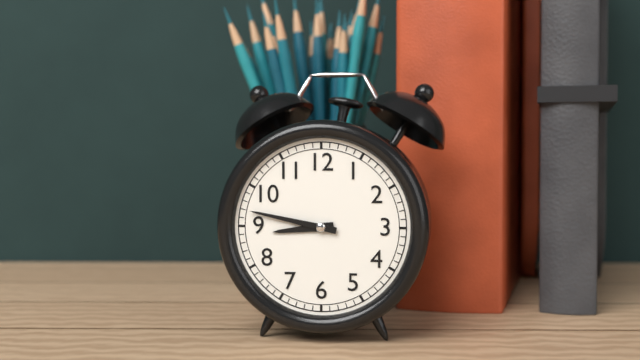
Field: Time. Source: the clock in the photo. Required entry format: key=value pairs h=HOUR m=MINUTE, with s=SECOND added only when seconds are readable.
h=8 m=47
